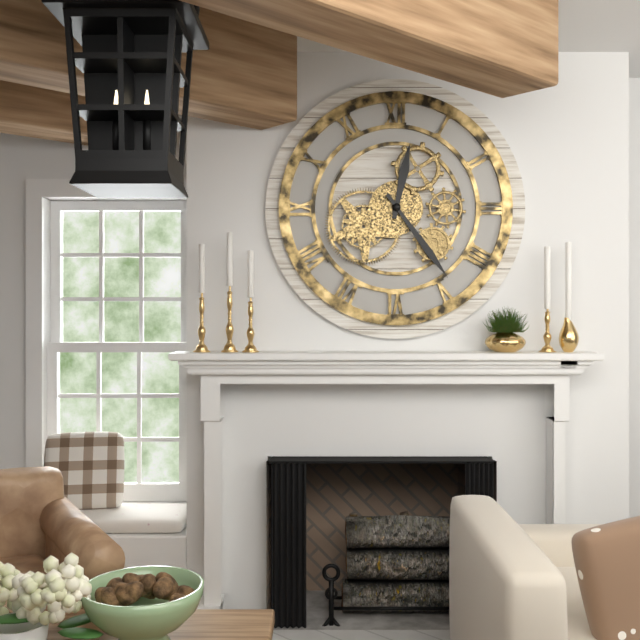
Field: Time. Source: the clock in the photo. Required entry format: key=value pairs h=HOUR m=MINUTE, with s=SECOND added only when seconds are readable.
h=12 m=24
